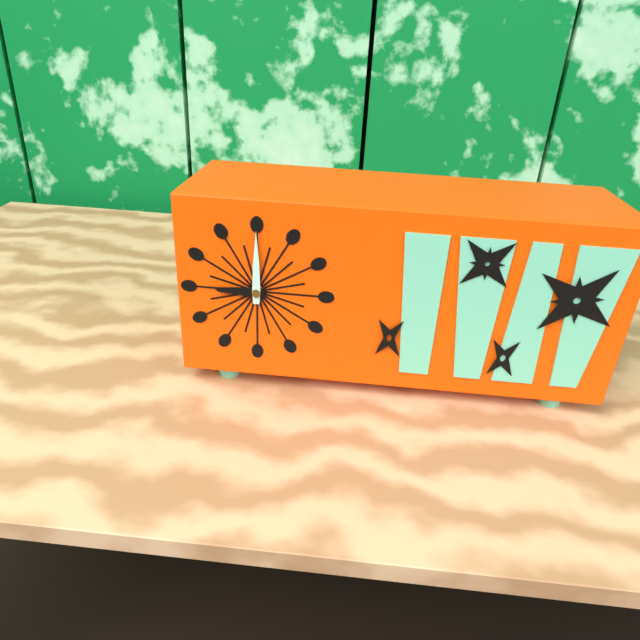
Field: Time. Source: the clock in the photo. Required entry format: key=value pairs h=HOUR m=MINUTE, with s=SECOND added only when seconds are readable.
h=9 m=0
